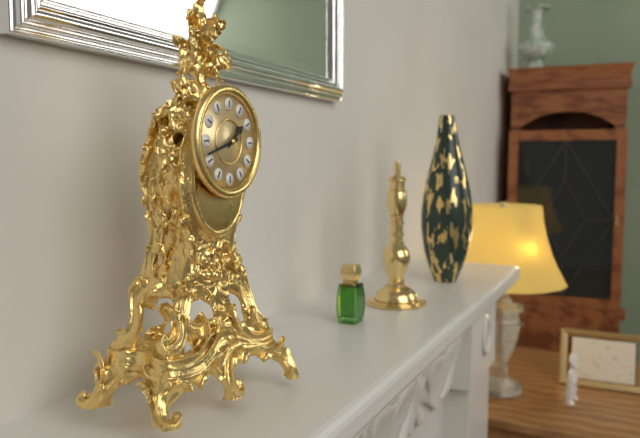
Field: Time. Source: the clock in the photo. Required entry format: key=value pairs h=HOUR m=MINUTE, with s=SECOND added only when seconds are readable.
h=1 m=42
